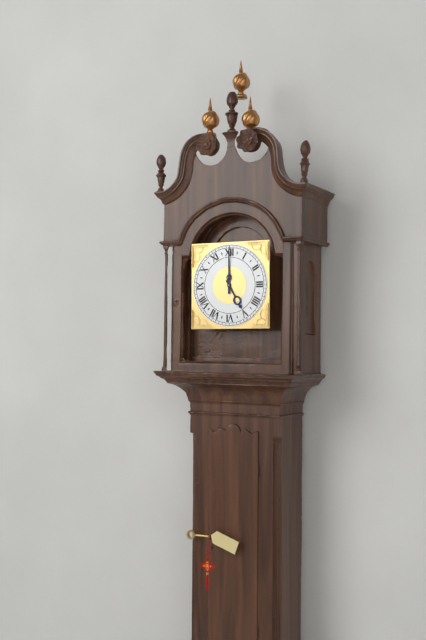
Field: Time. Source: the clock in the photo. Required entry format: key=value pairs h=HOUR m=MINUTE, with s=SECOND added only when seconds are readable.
h=5 m=0
